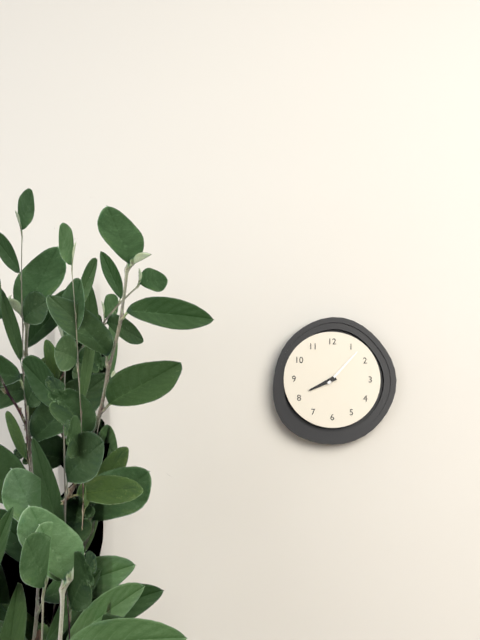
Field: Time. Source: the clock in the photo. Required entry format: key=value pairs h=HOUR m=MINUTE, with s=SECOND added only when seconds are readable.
h=8 m=7
